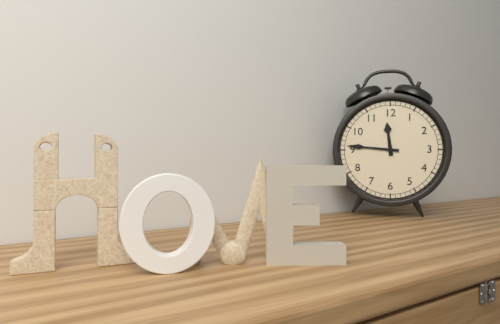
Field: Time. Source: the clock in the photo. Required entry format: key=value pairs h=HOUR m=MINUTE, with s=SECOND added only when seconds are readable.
h=11 m=46
